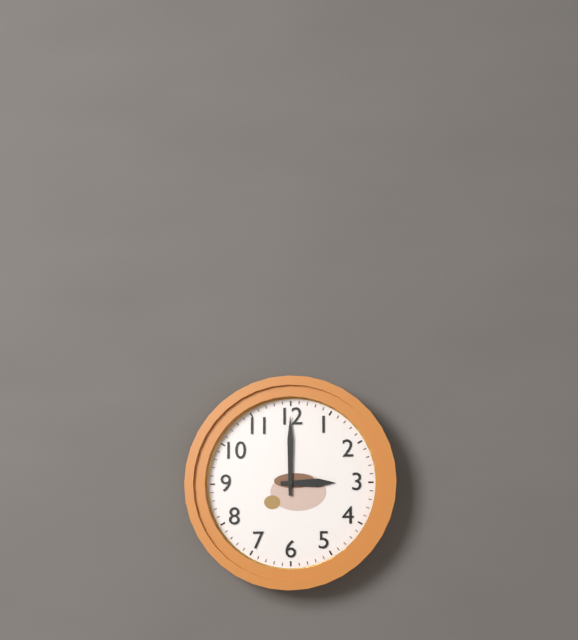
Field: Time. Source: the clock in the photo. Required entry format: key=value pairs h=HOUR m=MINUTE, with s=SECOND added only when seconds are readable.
h=3 m=0
